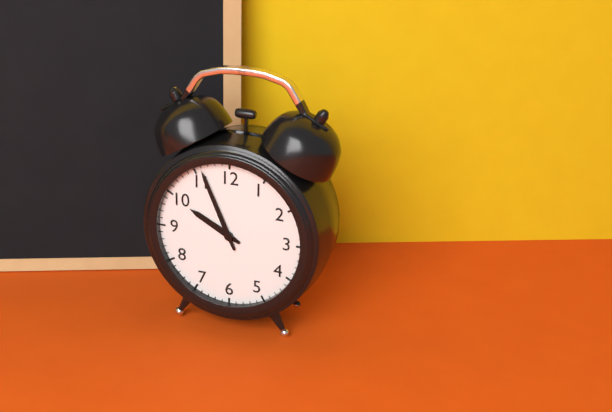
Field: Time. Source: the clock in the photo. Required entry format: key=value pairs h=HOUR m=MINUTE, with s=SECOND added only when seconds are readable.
h=9 m=56
